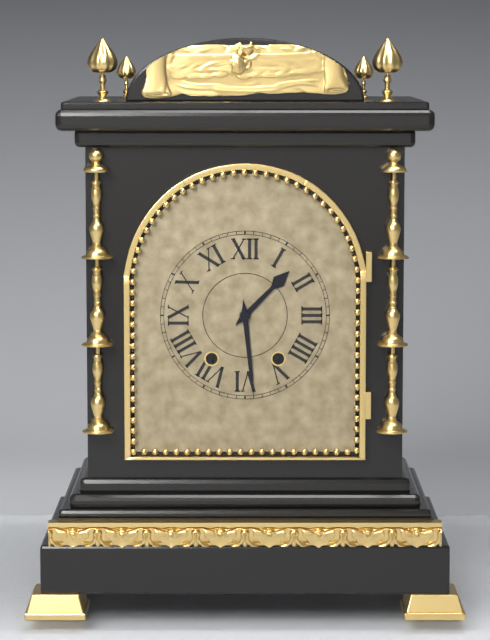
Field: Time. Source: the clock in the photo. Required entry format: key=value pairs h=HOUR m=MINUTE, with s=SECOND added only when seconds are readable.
h=1 m=29
